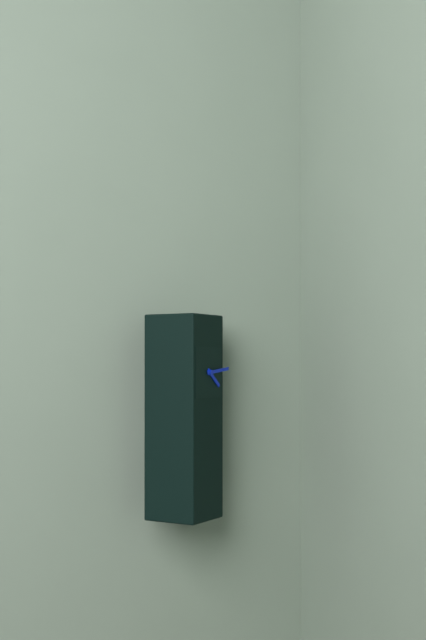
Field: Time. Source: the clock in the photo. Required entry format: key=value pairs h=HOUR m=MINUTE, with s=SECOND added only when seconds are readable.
h=4 m=14
